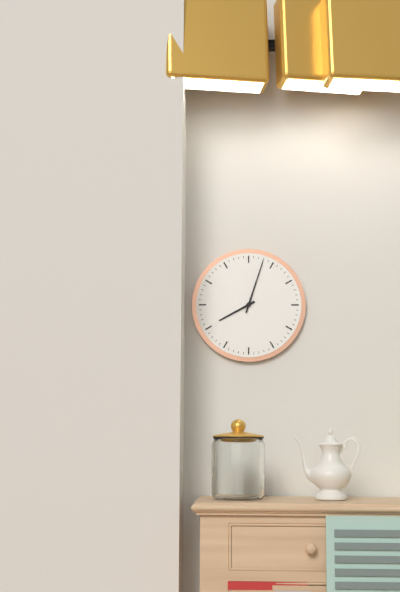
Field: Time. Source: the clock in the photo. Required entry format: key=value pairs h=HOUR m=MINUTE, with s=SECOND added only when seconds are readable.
h=8 m=3
